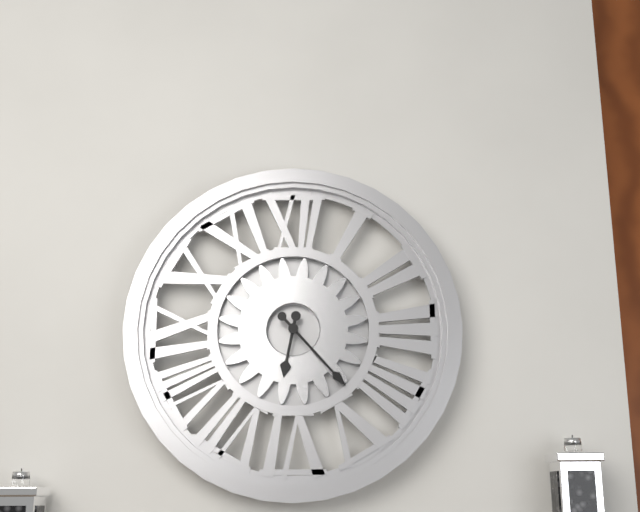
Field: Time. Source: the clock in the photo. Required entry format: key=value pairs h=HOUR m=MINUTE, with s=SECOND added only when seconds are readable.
h=6 m=23
